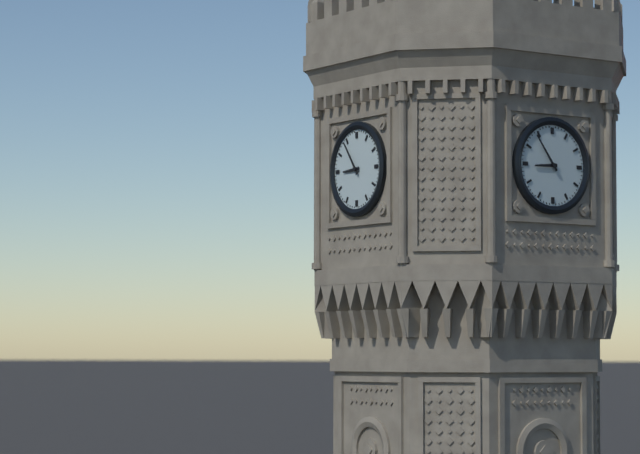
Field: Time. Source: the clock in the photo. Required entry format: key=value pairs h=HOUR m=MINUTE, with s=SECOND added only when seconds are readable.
h=8 m=54
